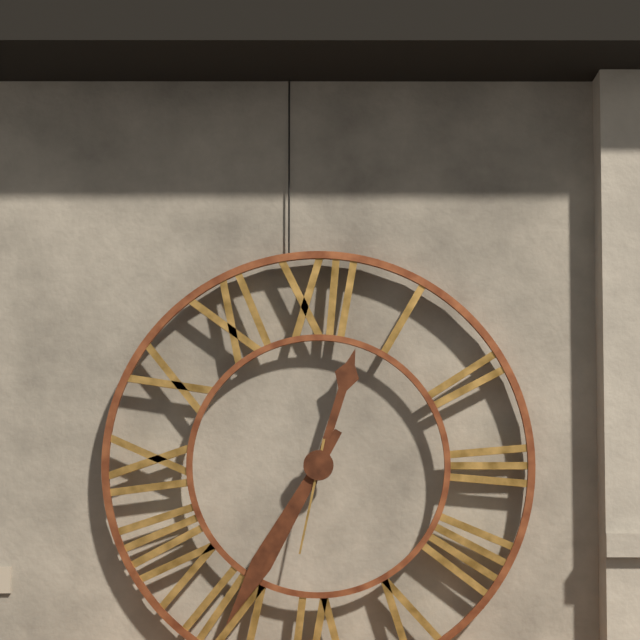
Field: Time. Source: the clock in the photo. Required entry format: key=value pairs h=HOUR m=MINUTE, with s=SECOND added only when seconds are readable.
h=12 m=35 s=32
